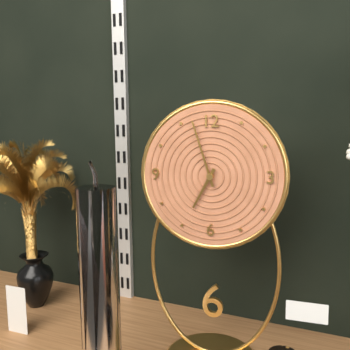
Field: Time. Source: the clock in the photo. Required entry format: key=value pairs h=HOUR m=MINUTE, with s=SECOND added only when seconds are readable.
h=6 m=57
